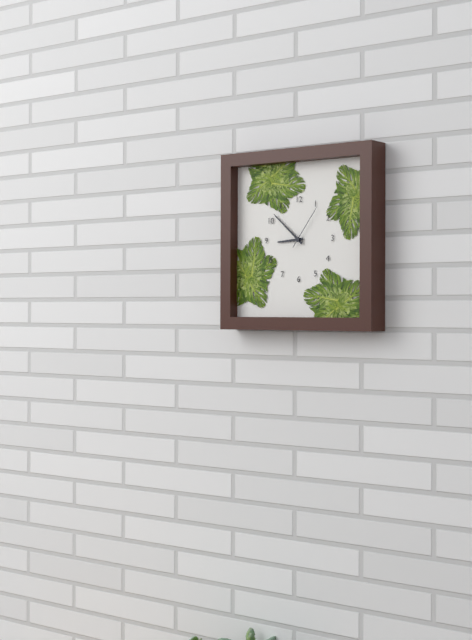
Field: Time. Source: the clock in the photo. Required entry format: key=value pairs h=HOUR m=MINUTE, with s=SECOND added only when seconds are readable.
h=8 m=52
